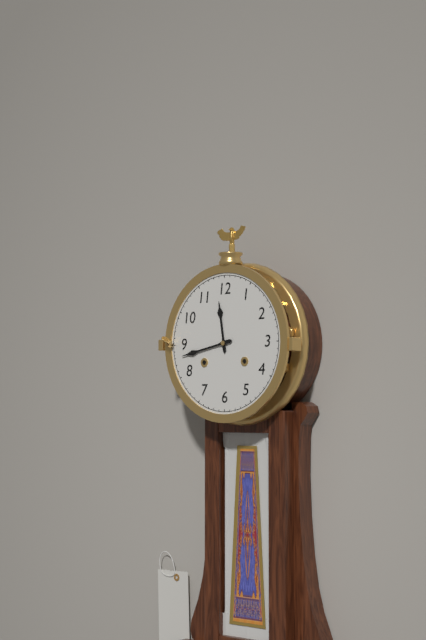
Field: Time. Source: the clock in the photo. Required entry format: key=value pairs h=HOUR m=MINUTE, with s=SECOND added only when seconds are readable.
h=11 m=43
